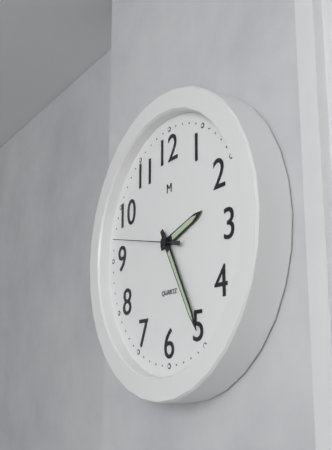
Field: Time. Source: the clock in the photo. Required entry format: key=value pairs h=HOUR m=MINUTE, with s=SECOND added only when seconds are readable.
h=2 m=25 s=47
